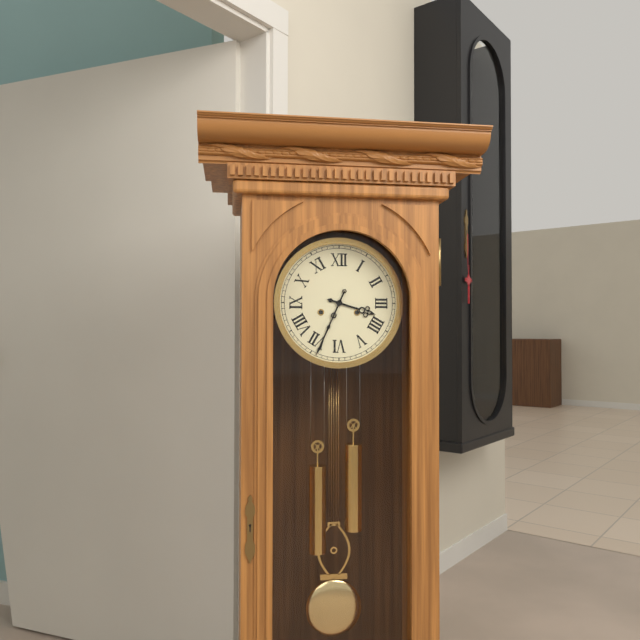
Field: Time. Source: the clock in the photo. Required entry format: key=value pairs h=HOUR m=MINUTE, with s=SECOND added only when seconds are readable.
h=3 m=34
